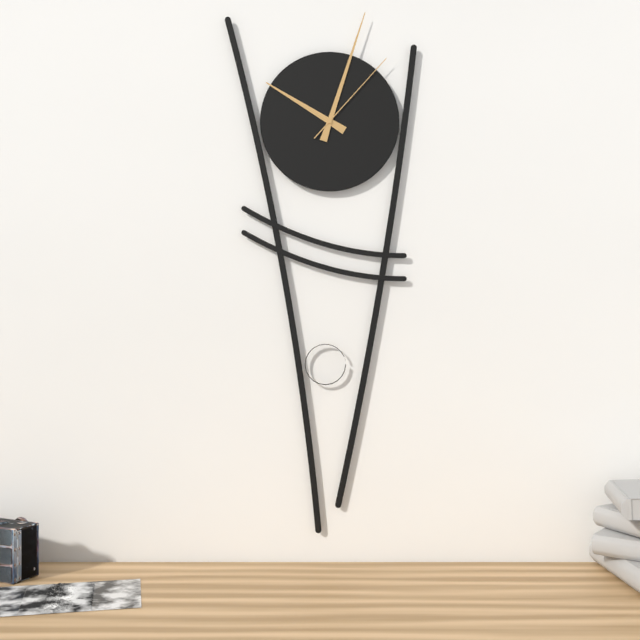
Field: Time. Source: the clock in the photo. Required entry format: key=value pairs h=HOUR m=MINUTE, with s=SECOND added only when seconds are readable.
h=10 m=3 s=7
